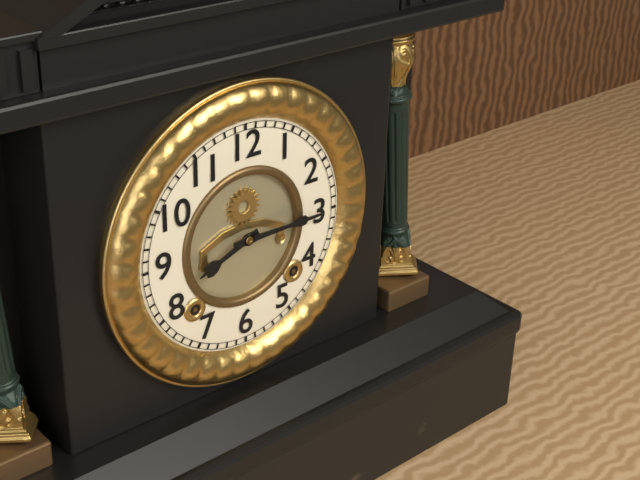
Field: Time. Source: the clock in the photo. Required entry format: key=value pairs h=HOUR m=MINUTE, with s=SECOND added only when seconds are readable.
h=8 m=15
